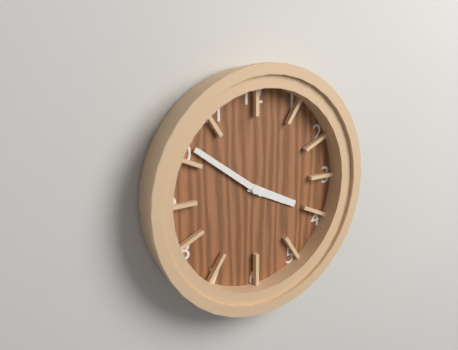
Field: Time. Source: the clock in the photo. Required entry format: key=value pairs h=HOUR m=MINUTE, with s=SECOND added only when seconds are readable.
h=3 m=51
